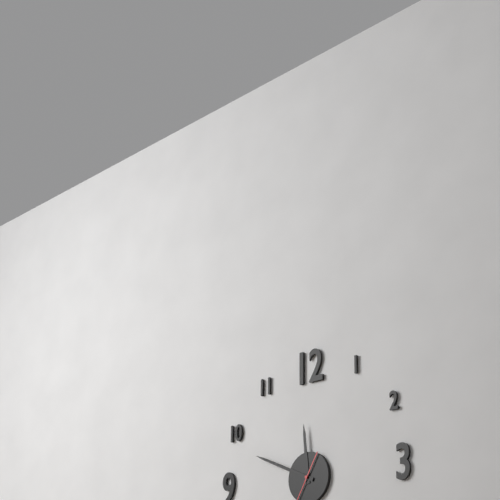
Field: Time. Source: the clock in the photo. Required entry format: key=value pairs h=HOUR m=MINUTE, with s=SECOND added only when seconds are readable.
h=11 m=49
